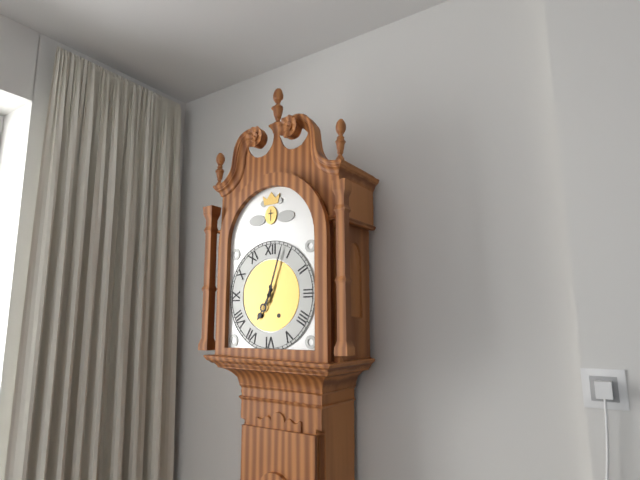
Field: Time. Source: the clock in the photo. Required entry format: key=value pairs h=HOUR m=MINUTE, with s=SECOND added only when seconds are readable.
h=7 m=3
